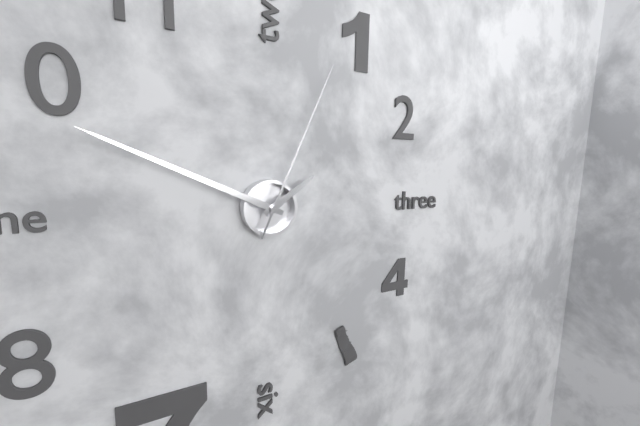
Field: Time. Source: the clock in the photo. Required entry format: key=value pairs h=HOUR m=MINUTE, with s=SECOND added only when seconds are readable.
h=1 m=49 s=4
